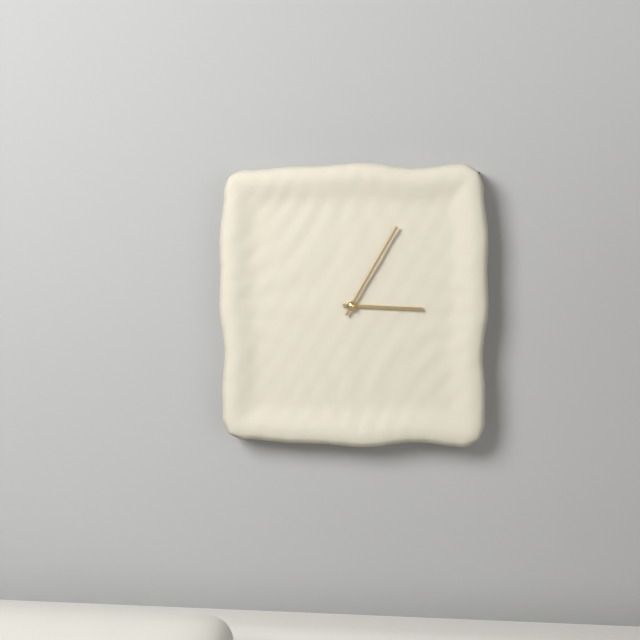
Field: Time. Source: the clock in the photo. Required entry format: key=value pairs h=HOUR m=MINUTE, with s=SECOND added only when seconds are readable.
h=3 m=5
